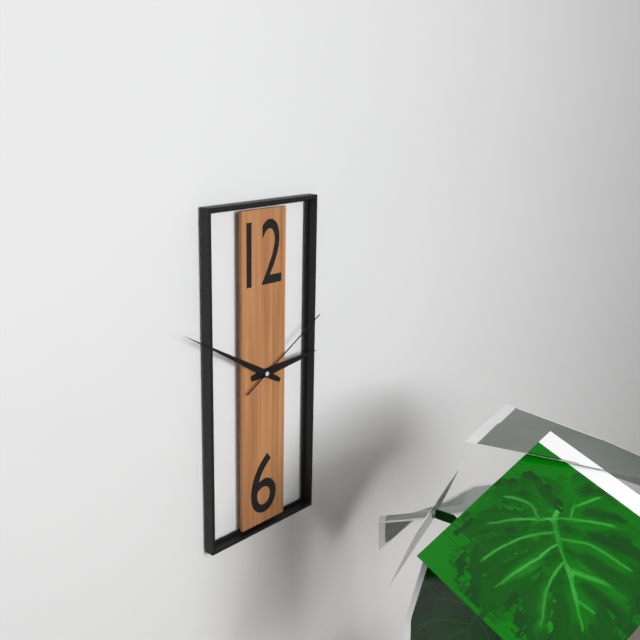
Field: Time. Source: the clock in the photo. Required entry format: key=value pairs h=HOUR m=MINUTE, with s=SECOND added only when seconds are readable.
h=2 m=50 s=10
